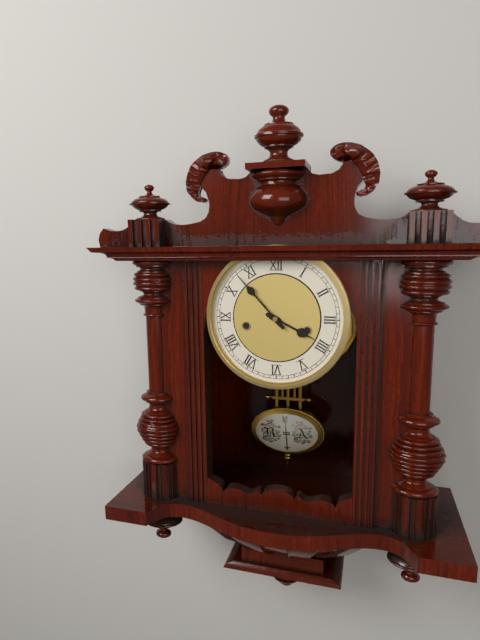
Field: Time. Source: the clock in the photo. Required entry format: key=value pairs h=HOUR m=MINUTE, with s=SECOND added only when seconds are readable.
h=3 m=53
